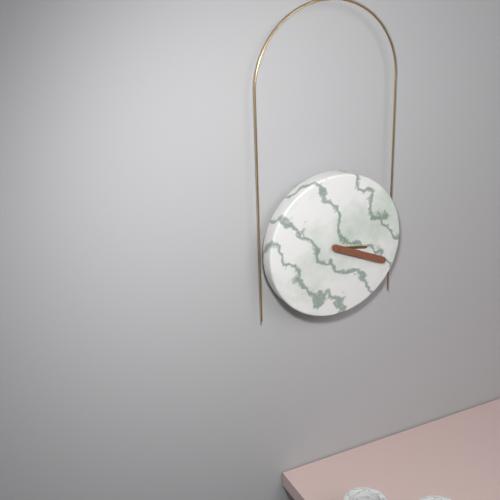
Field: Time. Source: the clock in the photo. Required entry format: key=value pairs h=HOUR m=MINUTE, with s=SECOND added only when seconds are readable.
h=3 m=19
